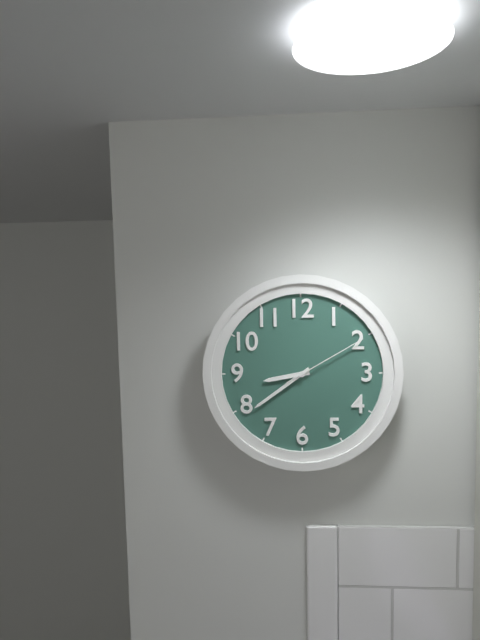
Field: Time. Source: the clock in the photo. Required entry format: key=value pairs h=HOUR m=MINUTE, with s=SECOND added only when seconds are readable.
h=8 m=39 s=10
